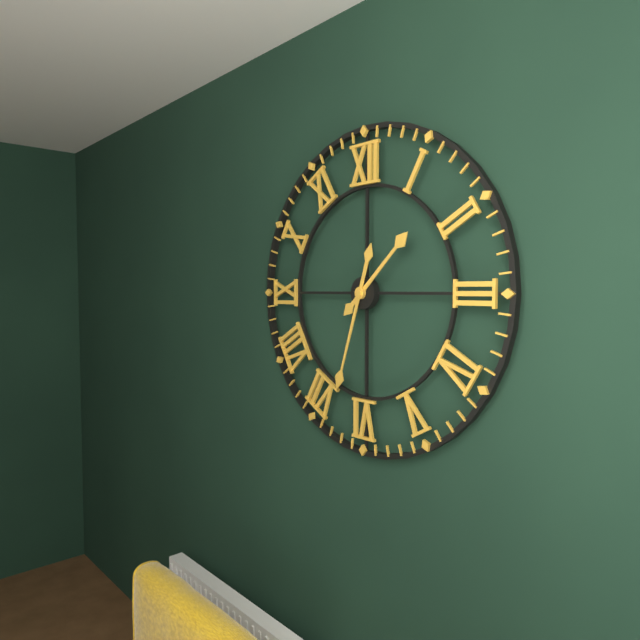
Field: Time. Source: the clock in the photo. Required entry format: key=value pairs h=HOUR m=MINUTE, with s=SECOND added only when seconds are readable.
h=1 m=33
